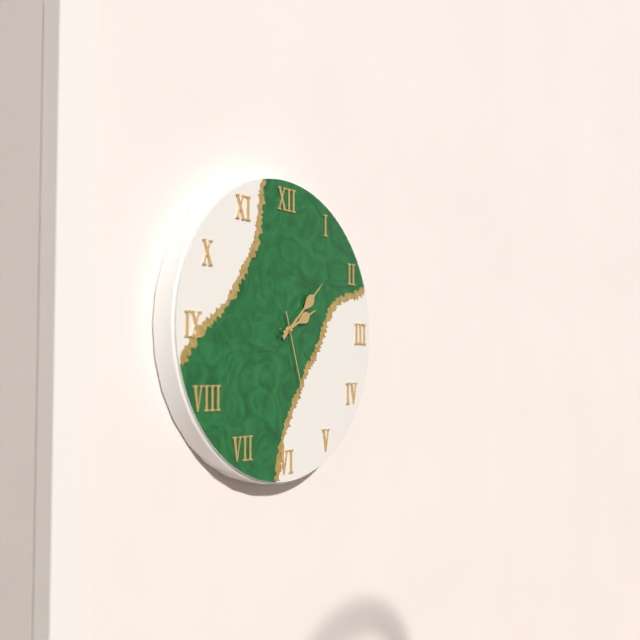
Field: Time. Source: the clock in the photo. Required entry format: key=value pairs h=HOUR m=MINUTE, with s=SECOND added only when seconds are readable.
h=2 m=8 s=27
